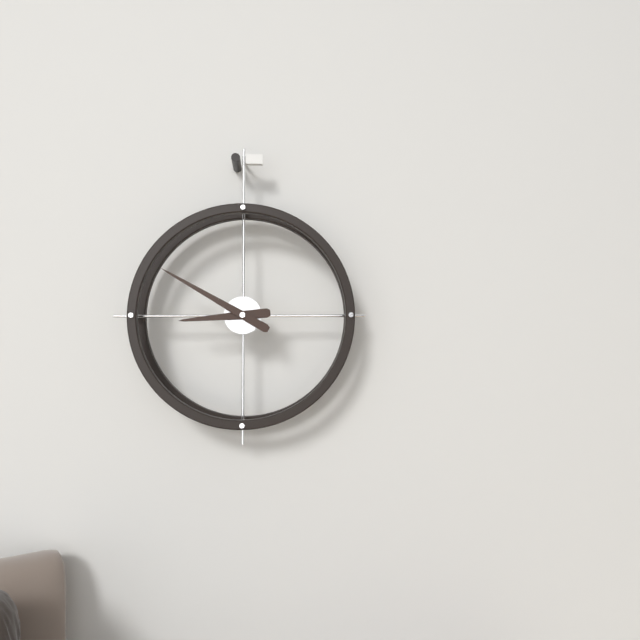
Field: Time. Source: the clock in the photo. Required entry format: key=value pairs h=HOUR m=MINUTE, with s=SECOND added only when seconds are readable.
h=8 m=50
